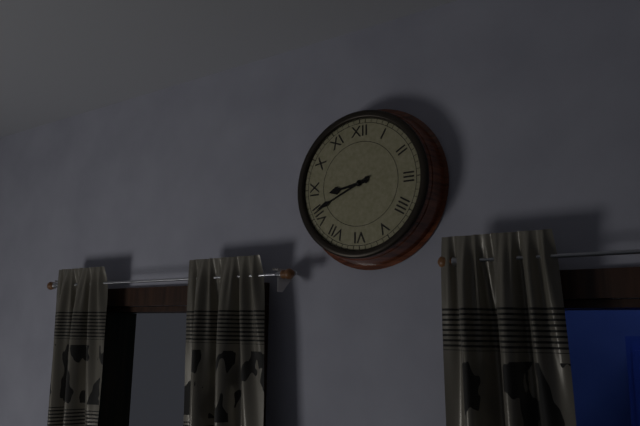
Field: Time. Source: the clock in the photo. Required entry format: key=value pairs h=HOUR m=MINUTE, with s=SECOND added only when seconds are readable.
h=8 m=41
